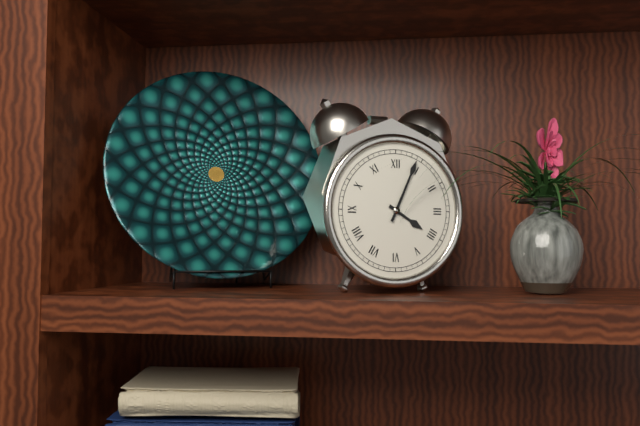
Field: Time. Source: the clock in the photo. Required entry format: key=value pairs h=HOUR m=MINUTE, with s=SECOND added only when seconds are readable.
h=4 m=4
